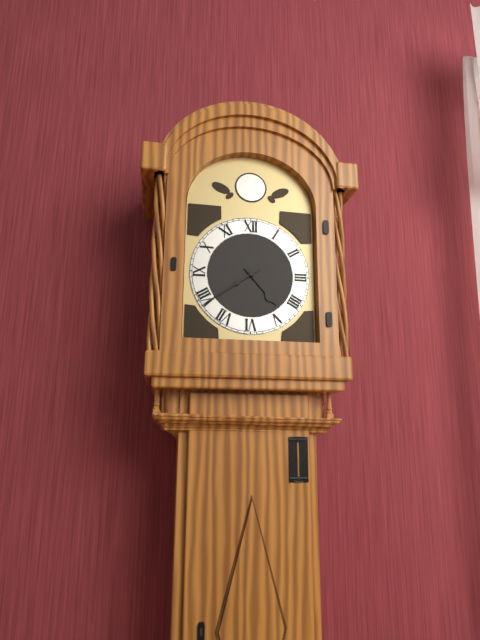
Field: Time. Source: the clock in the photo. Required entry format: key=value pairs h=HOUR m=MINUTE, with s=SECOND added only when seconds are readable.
h=4 m=39
